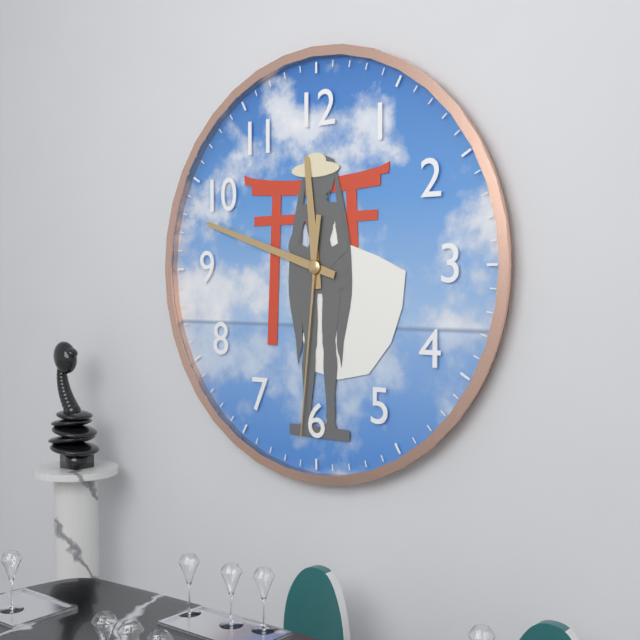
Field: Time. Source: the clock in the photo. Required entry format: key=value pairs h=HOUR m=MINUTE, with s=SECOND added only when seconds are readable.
h=11 m=48 s=31
